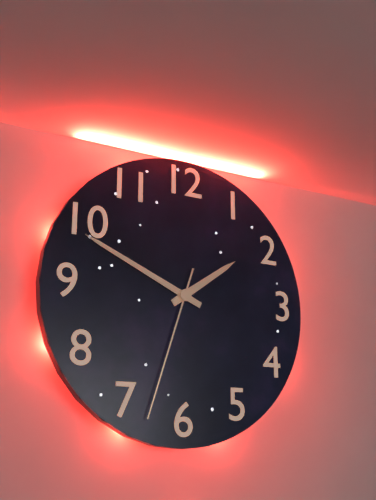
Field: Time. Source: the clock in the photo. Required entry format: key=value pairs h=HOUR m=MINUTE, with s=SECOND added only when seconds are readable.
h=1 m=49 s=33
